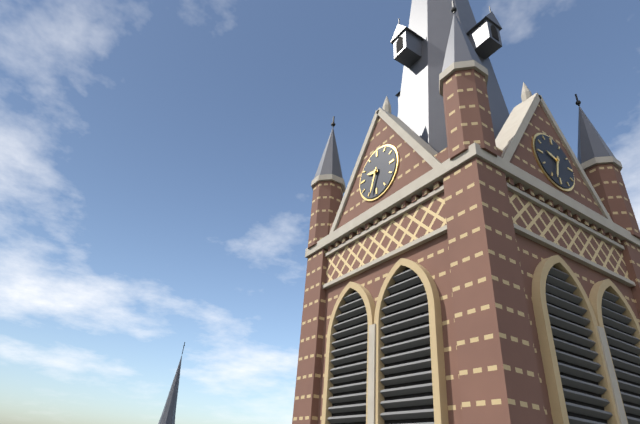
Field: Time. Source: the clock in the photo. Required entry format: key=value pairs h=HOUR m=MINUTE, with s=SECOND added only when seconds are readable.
h=9 m=33
